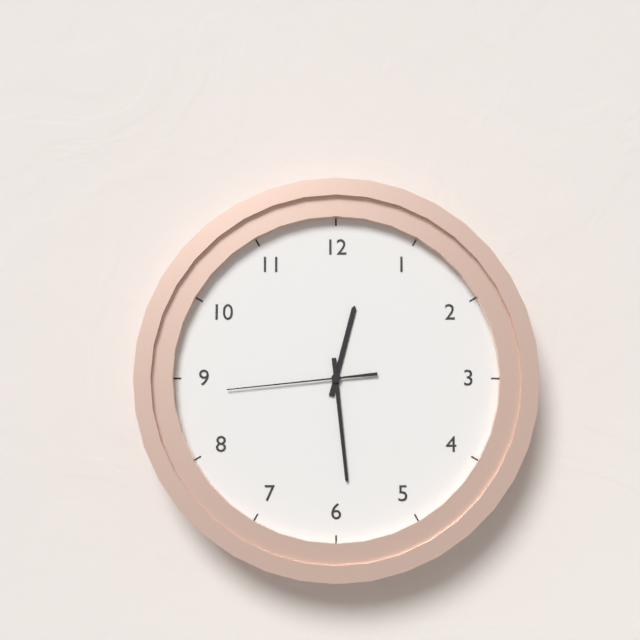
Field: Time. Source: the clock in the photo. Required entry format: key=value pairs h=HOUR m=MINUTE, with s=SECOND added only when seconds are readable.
h=12 m=29 s=44
